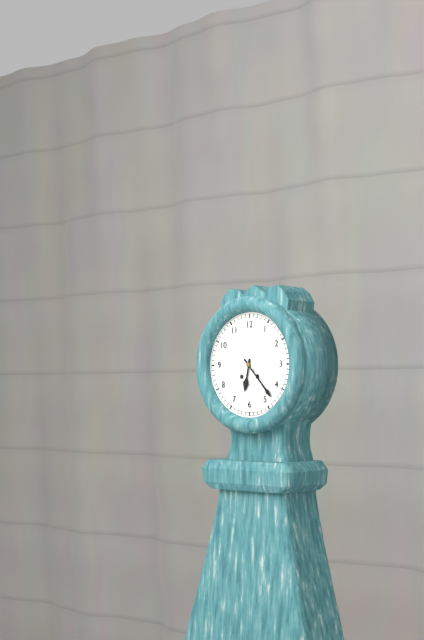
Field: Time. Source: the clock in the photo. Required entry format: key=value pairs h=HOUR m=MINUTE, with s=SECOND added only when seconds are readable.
h=6 m=23
